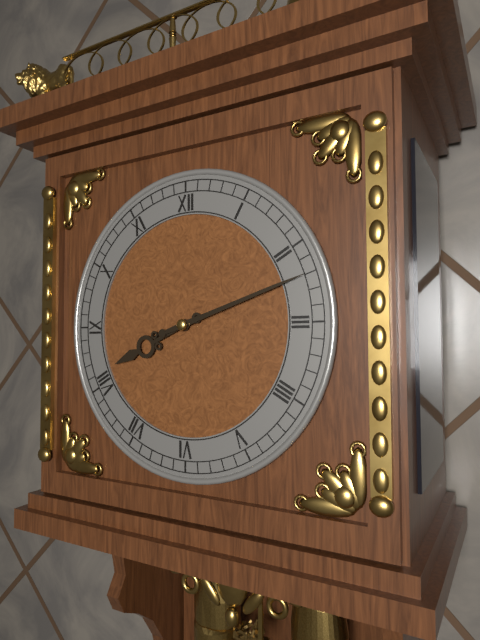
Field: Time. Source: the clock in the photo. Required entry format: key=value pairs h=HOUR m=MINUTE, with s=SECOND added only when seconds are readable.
h=8 m=12
